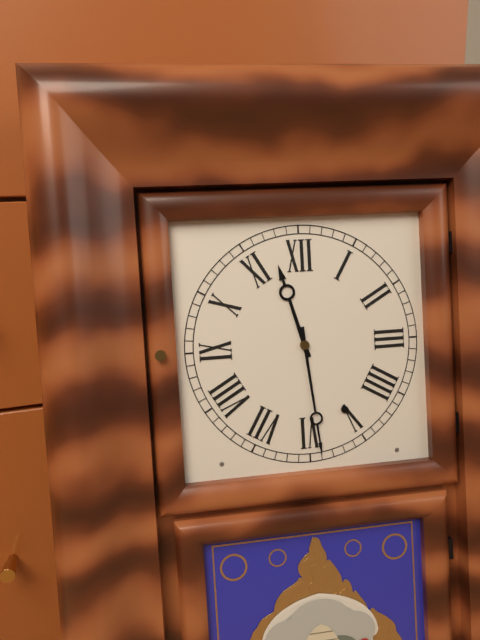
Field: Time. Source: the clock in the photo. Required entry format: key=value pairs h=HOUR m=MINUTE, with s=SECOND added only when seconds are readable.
h=11 m=29
